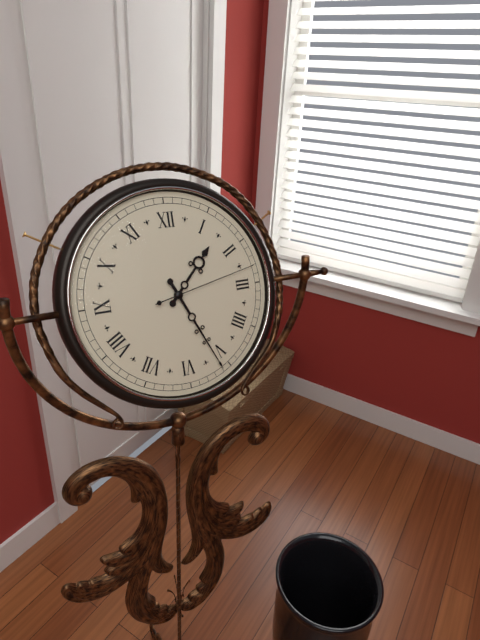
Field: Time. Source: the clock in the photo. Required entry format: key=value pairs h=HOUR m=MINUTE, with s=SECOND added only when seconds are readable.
h=1 m=26 s=13
